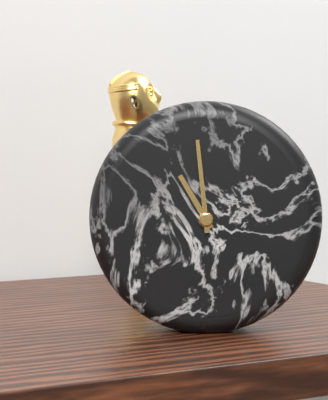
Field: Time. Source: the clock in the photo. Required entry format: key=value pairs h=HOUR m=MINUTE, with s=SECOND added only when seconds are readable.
h=10 m=59
